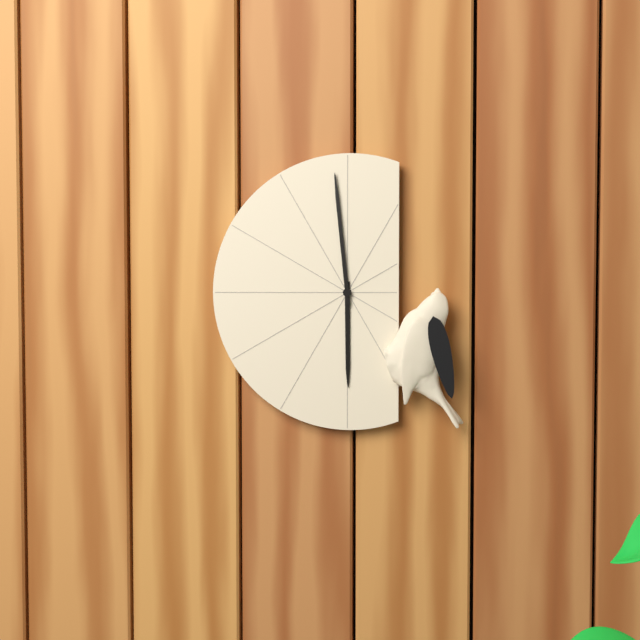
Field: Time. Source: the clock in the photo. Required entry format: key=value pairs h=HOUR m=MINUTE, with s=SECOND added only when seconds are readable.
h=5 m=59
